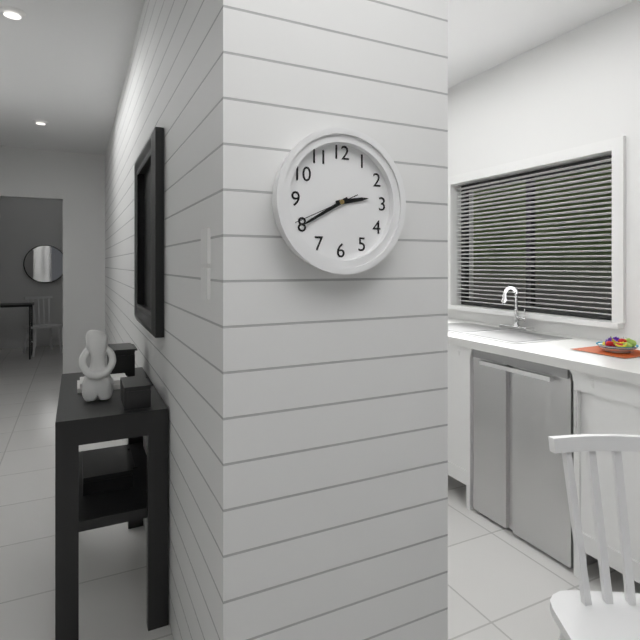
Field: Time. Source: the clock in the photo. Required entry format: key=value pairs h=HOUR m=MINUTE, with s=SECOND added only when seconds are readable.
h=2 m=40 s=41
